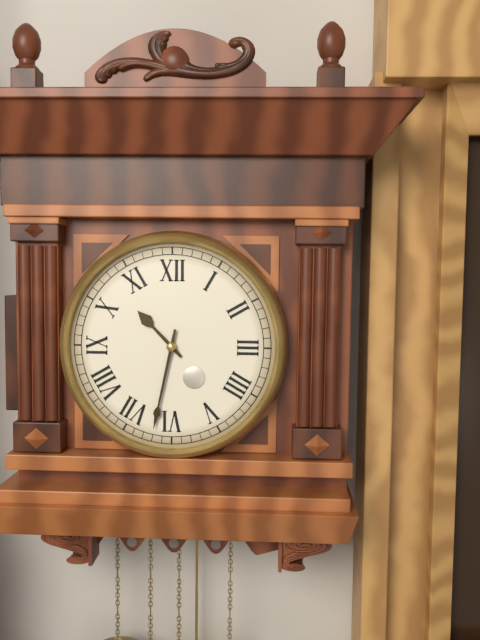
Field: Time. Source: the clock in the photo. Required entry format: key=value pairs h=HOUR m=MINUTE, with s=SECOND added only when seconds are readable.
h=10 m=32
